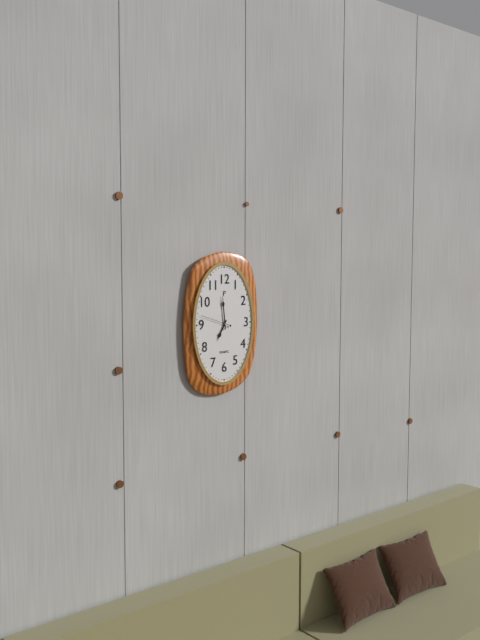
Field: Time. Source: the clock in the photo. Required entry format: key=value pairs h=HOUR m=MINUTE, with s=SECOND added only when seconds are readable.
h=6 m=59
